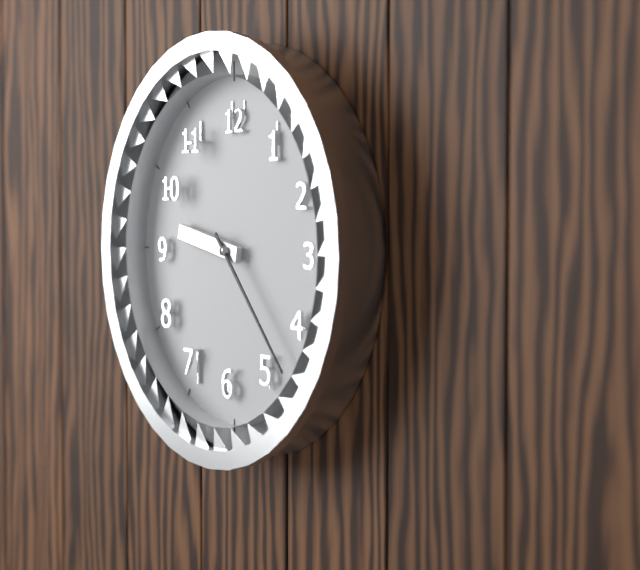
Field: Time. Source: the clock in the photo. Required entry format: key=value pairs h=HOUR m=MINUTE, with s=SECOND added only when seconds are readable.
h=9 m=23
